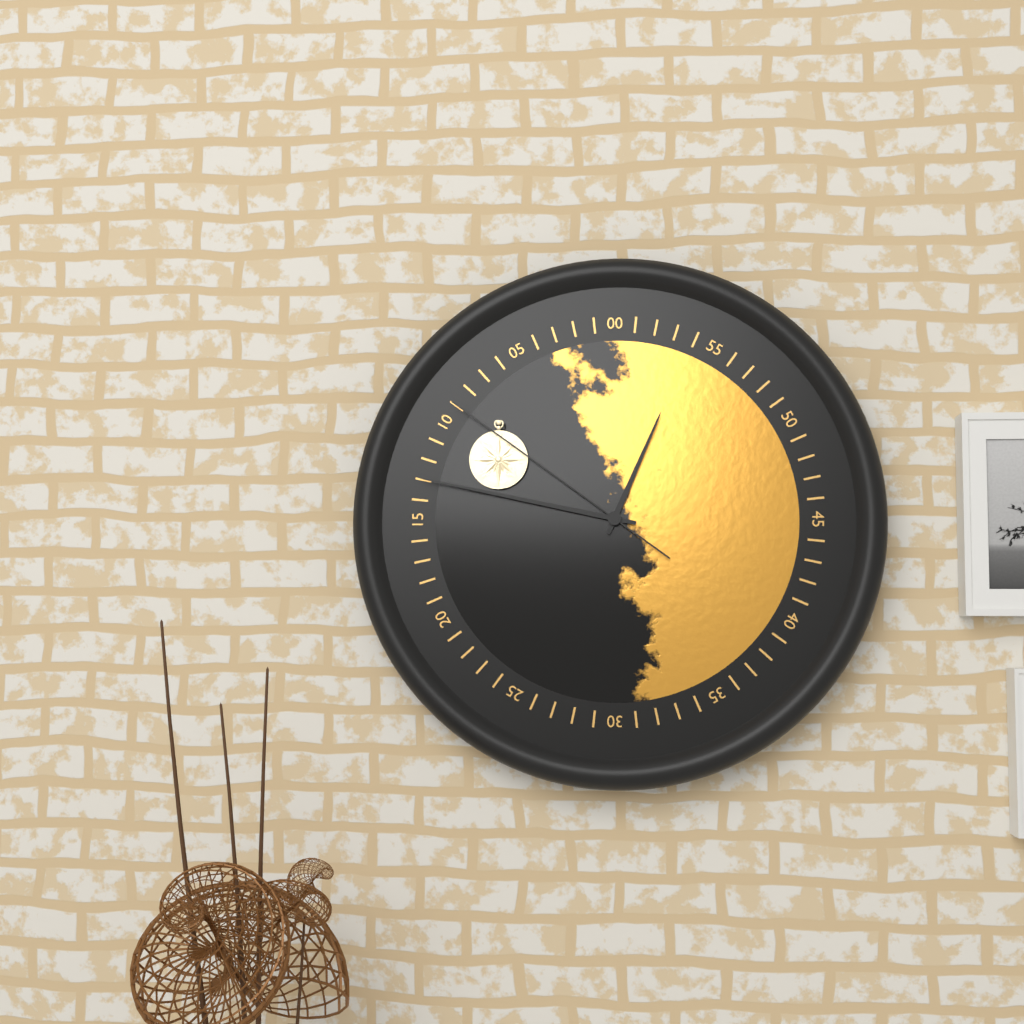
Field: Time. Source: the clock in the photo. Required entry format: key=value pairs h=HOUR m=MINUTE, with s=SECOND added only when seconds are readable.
h=12 m=47 s=51
